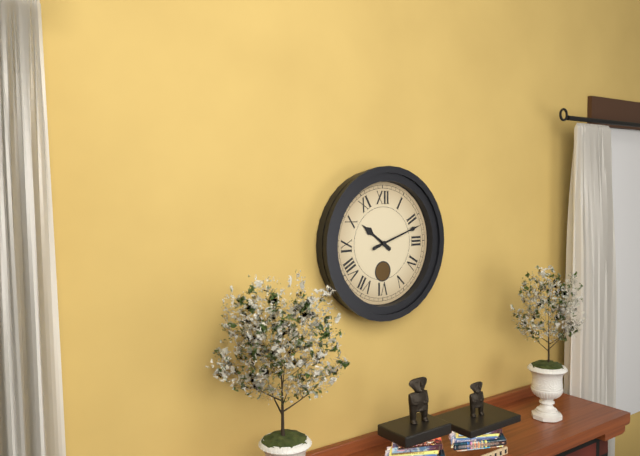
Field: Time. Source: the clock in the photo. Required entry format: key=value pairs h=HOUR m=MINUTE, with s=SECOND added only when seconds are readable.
h=10 m=12
